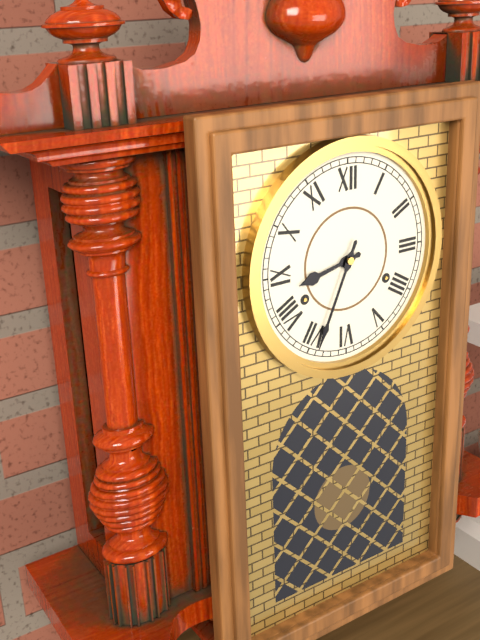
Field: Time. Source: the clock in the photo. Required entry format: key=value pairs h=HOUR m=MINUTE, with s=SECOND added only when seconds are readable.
h=8 m=34
